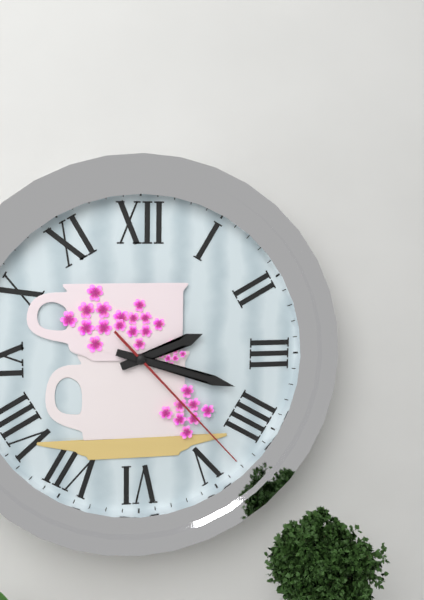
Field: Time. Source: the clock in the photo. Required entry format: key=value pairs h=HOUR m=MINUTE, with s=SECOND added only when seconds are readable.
h=2 m=18 s=23
